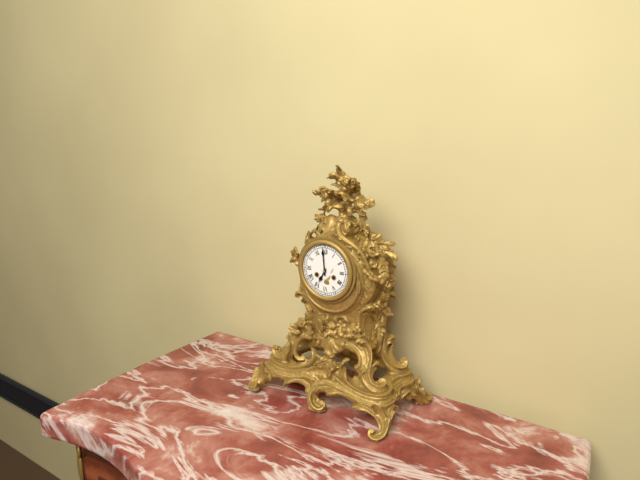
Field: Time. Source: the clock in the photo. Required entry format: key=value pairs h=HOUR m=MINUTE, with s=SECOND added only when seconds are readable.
h=6 m=59
